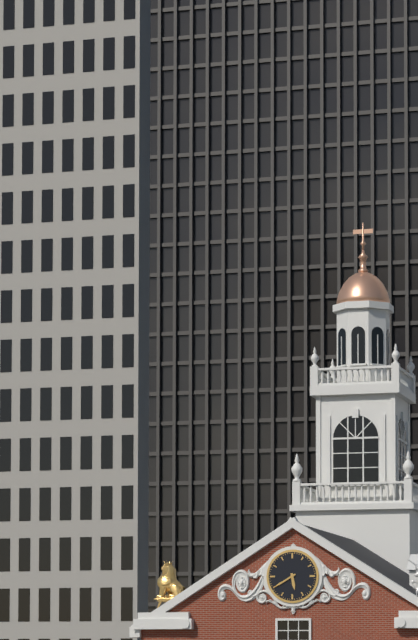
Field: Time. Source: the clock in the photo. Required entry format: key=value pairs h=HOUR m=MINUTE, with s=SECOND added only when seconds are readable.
h=5 m=40
